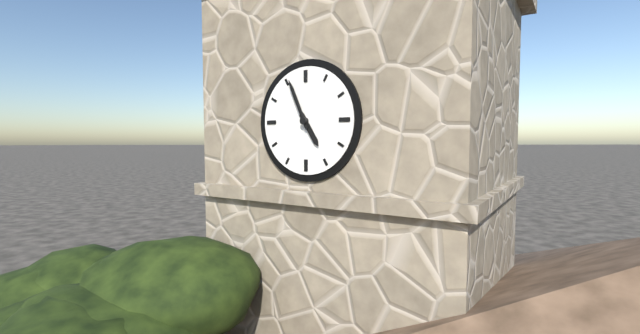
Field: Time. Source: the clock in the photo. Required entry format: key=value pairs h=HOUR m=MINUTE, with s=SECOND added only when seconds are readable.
h=4 m=56
